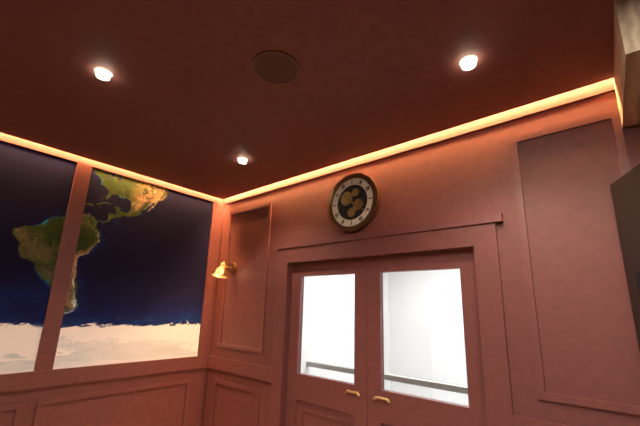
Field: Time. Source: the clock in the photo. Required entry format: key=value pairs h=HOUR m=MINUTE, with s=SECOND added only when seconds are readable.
h=10 m=21
